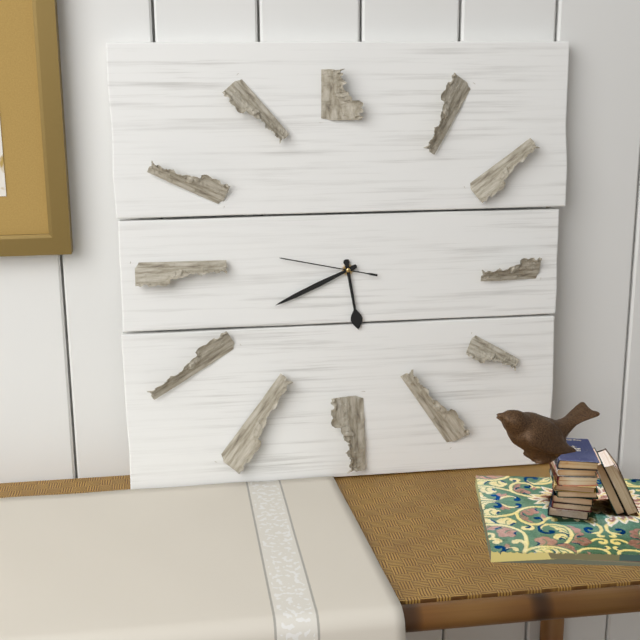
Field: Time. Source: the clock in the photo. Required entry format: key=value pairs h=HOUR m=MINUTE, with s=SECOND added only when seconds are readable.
h=5 m=41 s=47
